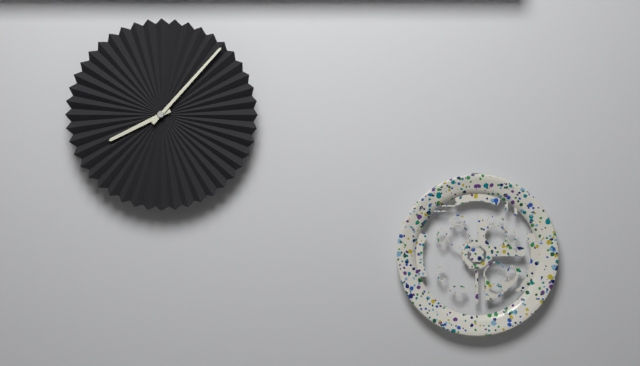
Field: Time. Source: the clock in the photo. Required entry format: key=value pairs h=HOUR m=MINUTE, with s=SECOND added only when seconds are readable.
h=8 m=7
